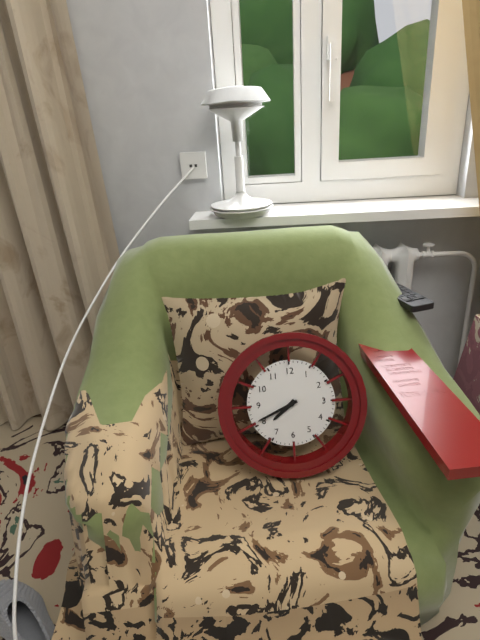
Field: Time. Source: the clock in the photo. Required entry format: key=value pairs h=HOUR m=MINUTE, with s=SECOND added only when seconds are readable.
h=7 m=41
